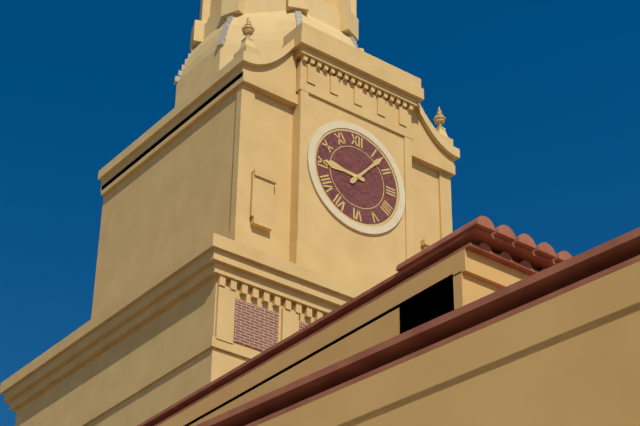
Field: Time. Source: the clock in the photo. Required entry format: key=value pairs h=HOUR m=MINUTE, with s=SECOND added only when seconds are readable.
h=9 m=7
